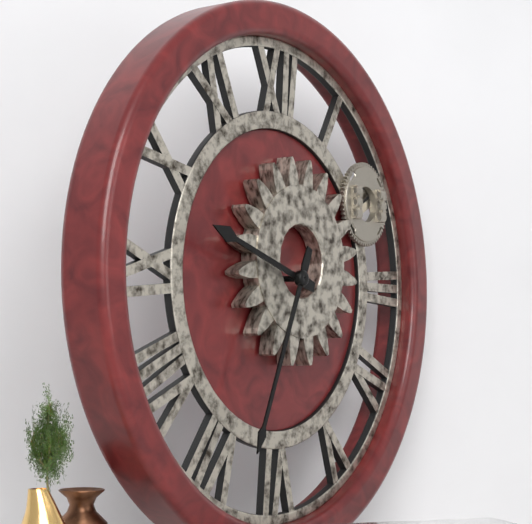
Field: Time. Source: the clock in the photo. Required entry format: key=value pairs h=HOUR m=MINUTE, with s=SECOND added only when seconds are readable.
h=9 m=34
